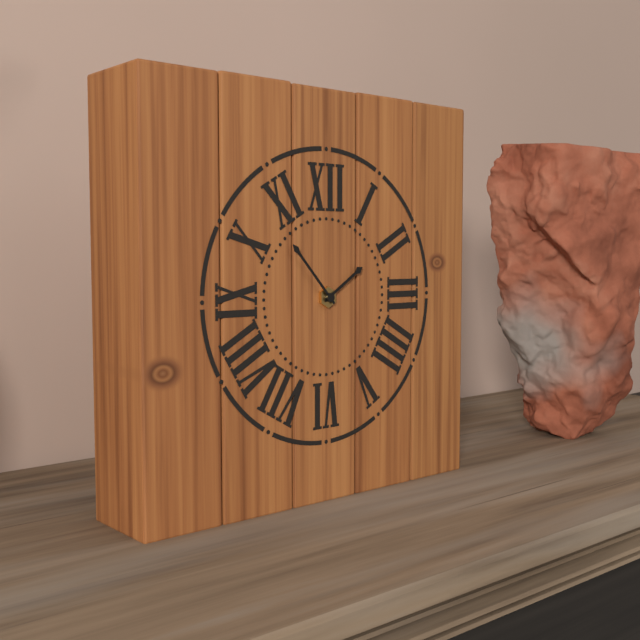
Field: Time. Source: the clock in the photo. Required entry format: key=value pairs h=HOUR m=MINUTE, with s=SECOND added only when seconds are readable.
h=1 m=53
